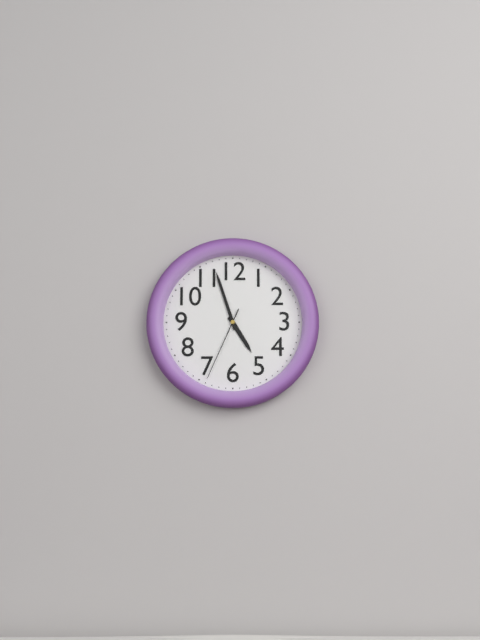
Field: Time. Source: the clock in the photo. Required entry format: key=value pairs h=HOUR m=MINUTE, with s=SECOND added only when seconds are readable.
h=4 m=57 s=34
